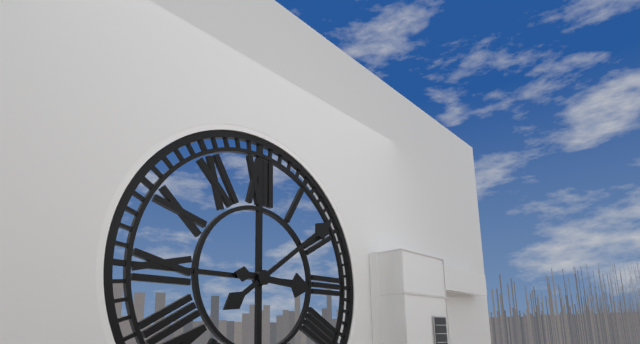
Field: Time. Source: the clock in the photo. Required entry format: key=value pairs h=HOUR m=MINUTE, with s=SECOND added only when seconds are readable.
h=3 m=9
